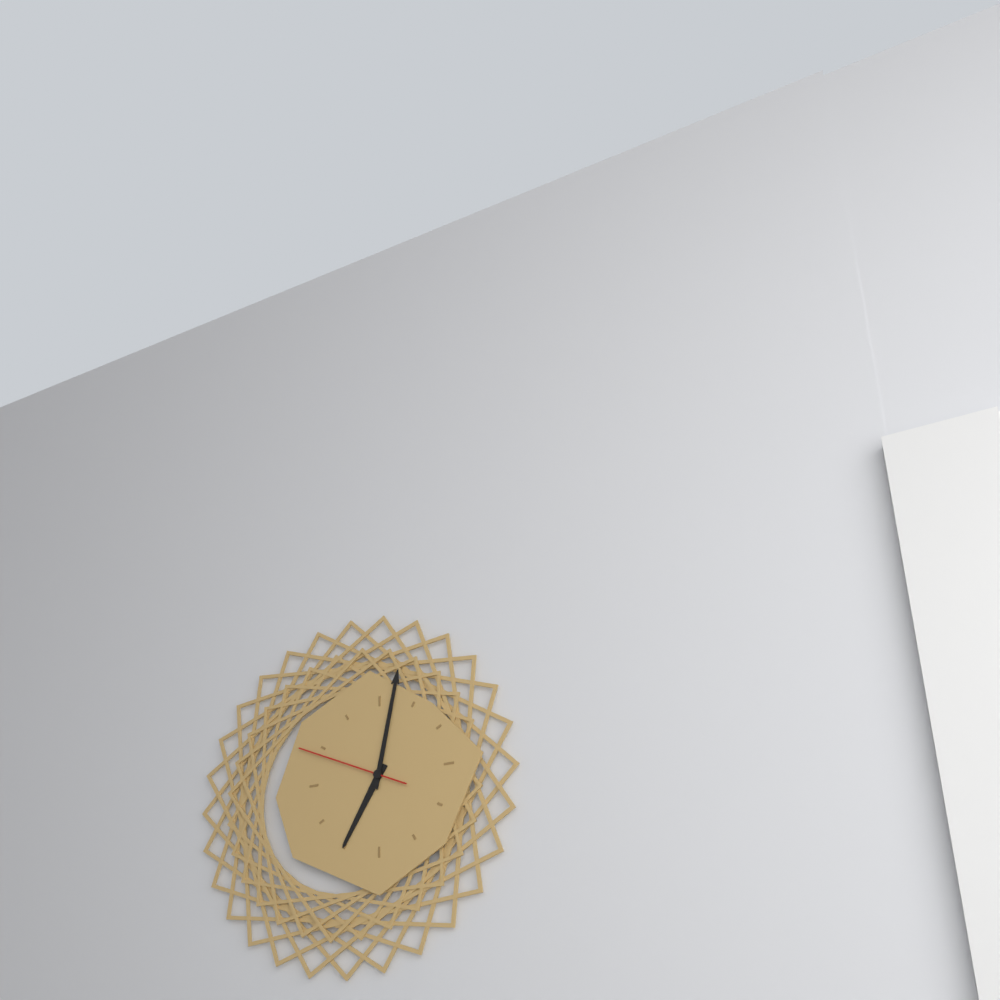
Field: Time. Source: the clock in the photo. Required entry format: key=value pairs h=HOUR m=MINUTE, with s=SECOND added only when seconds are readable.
h=7 m=2 s=49
